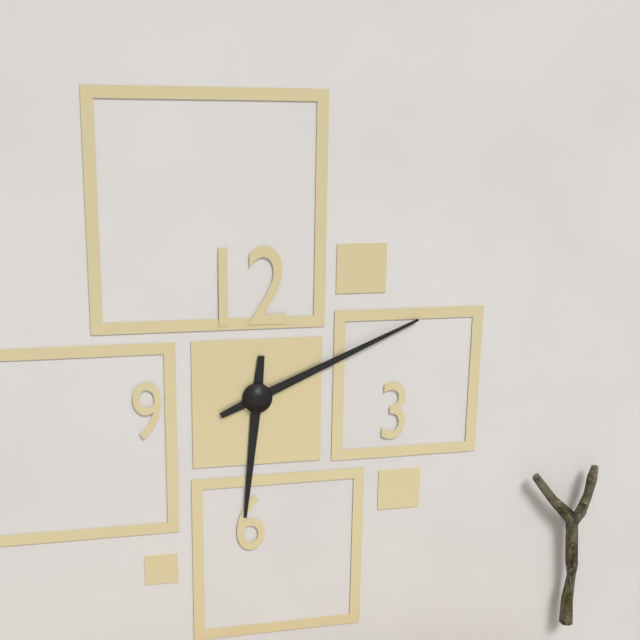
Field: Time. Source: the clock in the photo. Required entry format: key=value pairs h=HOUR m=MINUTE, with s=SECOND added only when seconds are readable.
h=6 m=11
